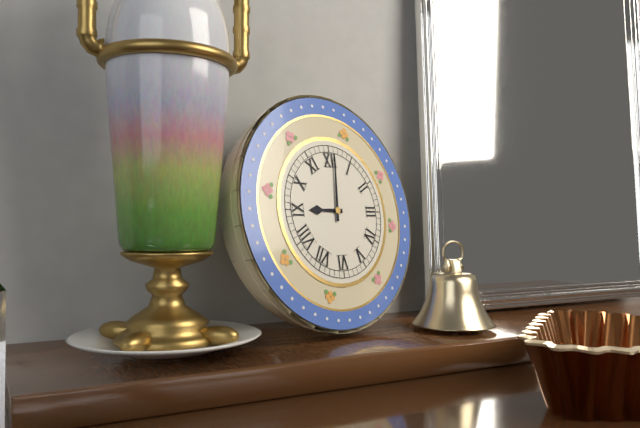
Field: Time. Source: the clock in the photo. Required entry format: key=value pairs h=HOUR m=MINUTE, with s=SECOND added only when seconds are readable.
h=9 m=1
